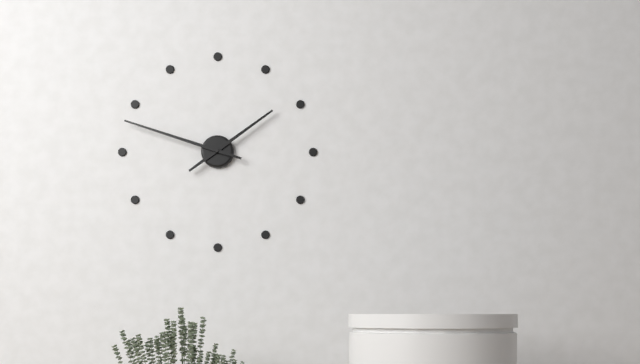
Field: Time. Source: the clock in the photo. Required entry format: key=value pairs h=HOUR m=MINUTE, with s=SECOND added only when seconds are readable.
h=1 m=48
